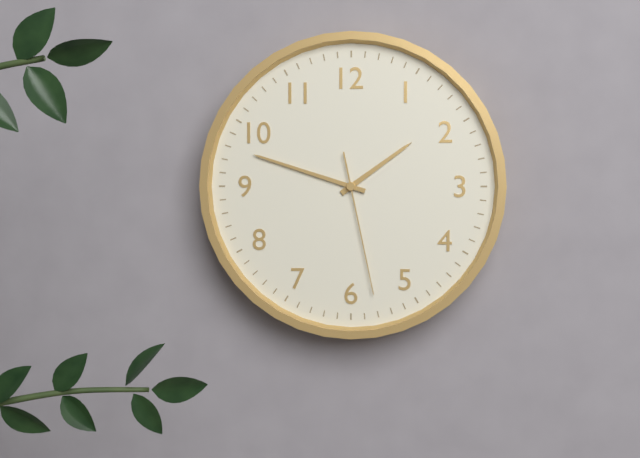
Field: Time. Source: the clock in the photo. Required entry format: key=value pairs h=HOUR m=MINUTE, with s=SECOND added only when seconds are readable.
h=1 m=48 s=28
